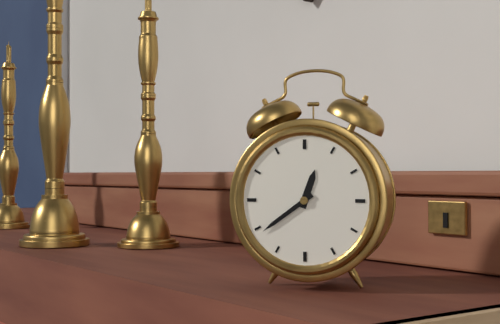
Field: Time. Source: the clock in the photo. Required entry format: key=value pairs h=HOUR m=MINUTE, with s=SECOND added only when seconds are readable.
h=12 m=39
